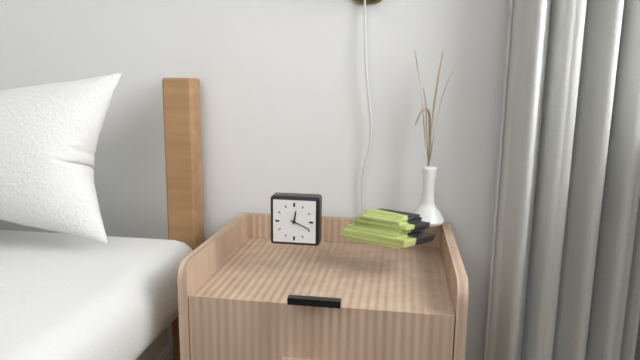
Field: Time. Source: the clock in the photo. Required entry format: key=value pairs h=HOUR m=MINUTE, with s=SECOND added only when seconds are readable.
h=12 m=19
